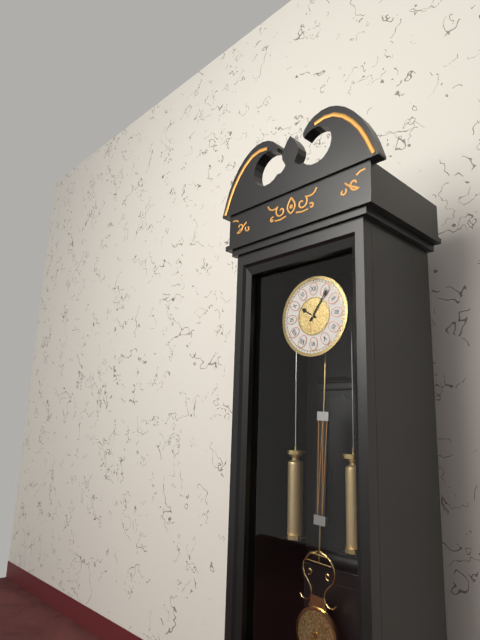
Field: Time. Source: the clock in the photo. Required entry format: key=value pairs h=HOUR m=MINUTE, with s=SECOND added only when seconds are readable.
h=10 m=6
